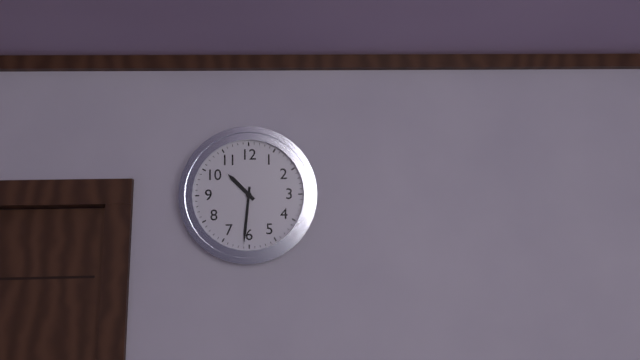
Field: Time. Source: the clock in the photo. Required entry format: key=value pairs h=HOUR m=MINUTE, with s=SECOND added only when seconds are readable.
h=10 m=31
